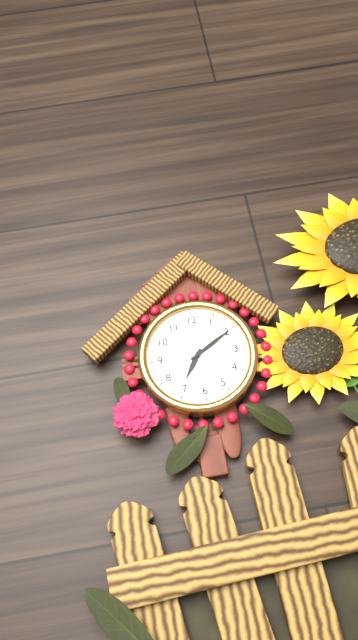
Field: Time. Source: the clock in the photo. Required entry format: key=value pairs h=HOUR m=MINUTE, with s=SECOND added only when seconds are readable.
h=7 m=10
